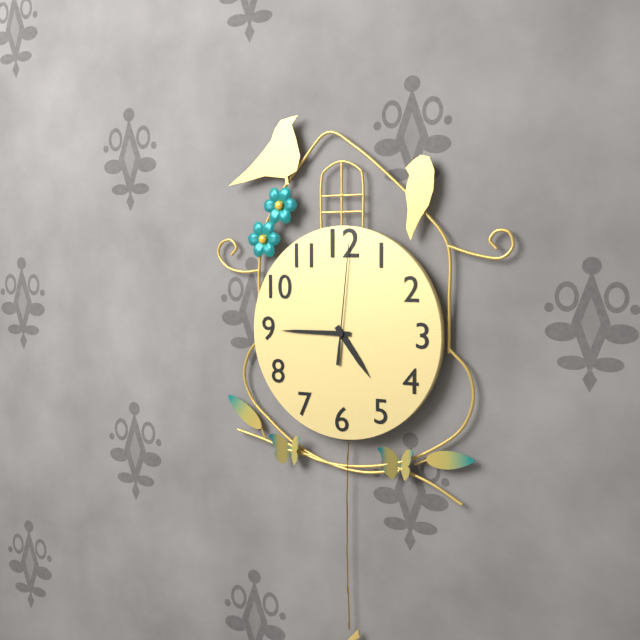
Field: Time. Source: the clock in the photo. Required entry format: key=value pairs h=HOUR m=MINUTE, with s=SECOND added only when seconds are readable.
h=4 m=45 s=1
